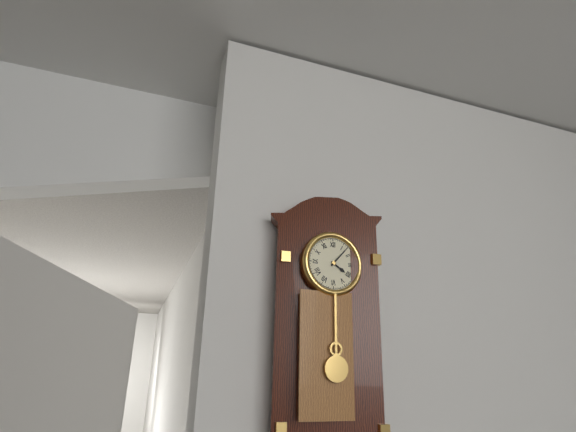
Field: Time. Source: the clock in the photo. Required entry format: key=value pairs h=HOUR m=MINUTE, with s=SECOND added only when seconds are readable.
h=4 m=7
